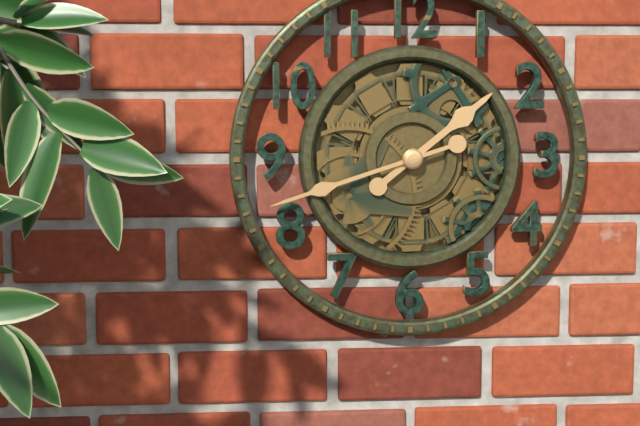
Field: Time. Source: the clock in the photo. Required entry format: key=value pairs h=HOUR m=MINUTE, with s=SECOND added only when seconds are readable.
h=1 m=42
